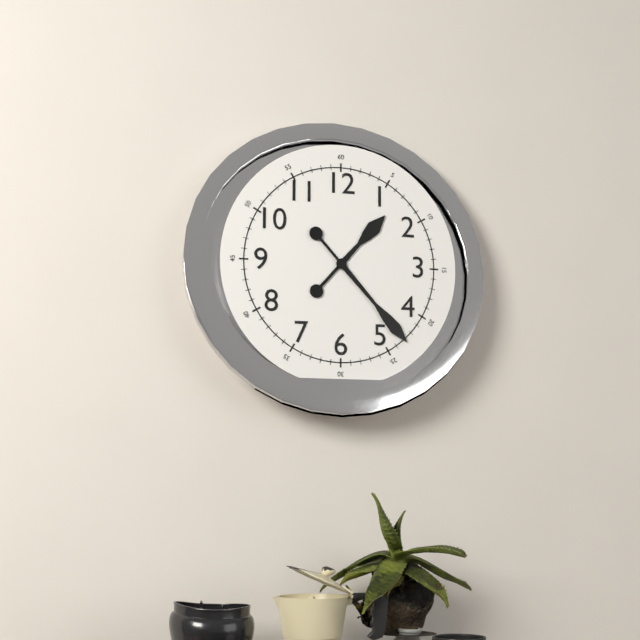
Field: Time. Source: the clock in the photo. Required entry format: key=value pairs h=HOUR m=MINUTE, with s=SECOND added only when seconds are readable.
h=1 m=23
